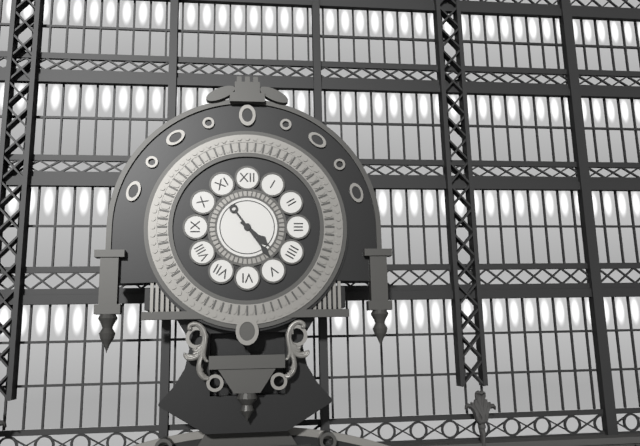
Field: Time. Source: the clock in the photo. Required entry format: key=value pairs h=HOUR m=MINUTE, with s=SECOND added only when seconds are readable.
h=4 m=24
